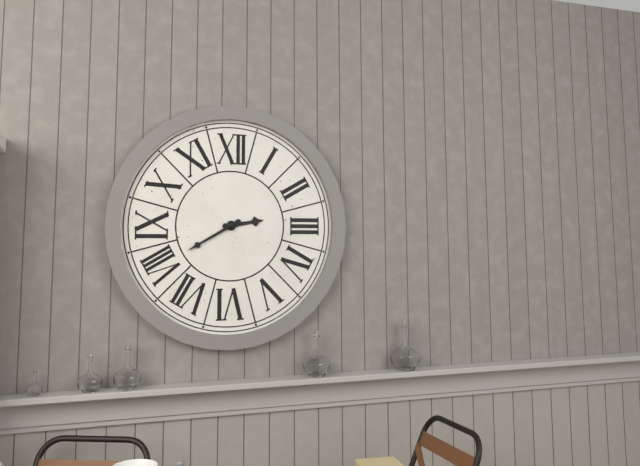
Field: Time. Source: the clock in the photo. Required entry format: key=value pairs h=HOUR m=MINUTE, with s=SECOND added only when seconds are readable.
h=2 m=40
